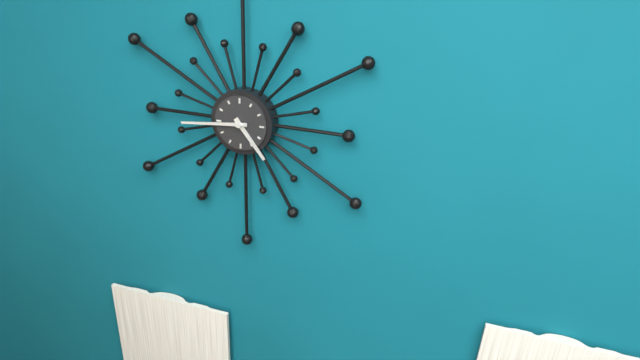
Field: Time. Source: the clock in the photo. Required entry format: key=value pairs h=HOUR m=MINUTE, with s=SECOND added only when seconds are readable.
h=4 m=44
